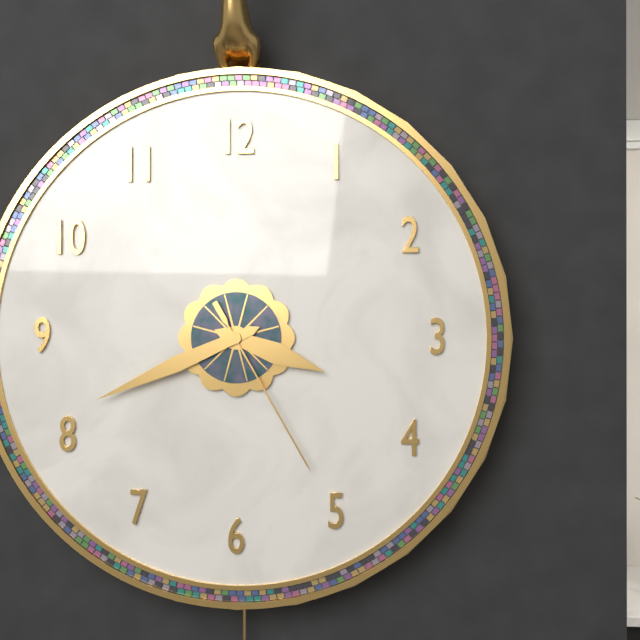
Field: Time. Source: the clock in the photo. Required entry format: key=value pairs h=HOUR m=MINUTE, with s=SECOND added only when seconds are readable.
h=3 m=41 s=25
